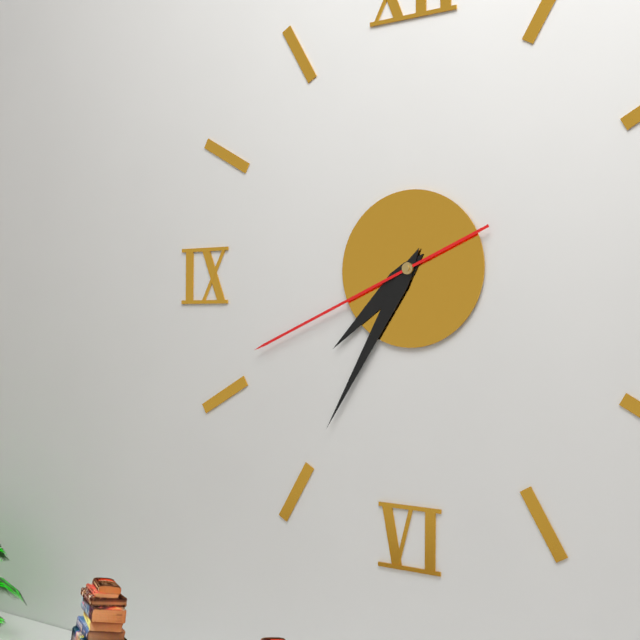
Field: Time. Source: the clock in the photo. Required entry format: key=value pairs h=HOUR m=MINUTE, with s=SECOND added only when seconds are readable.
h=7 m=35 s=41
